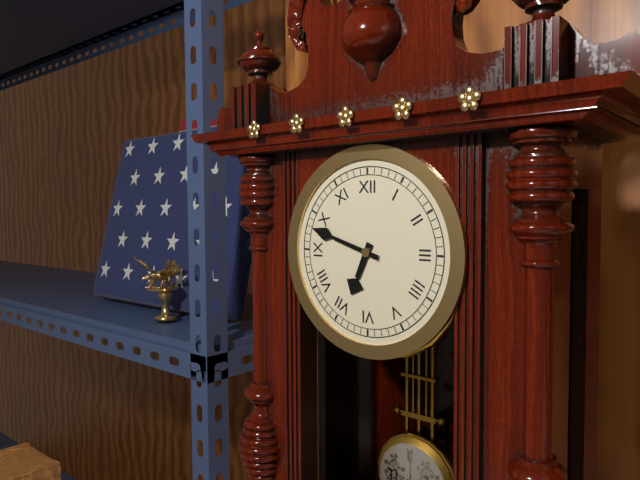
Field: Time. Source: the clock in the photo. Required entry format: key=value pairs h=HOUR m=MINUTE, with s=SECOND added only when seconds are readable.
h=6 m=48
